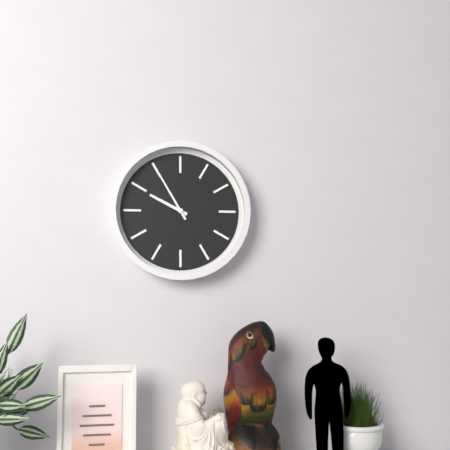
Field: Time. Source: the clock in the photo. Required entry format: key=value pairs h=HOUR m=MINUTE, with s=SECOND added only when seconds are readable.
h=9 m=55
